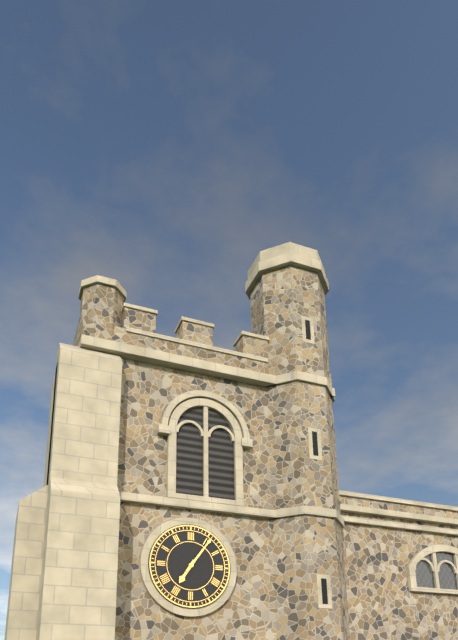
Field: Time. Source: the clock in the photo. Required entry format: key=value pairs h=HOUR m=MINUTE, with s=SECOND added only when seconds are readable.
h=7 m=6
